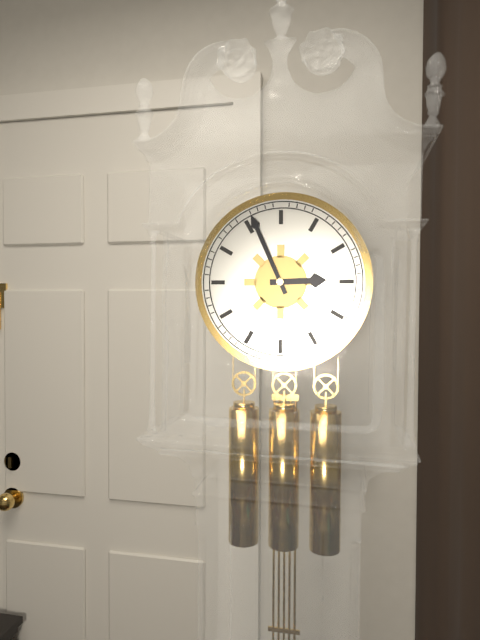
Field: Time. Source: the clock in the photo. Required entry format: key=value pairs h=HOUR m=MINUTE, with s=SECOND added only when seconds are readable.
h=2 m=56
